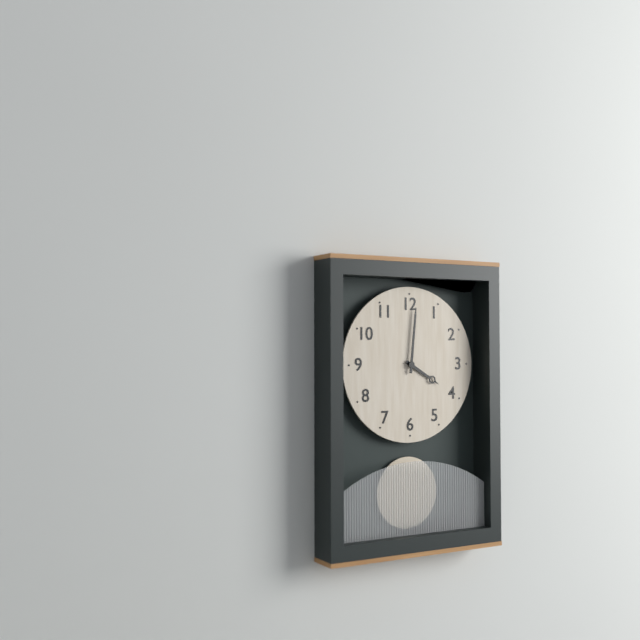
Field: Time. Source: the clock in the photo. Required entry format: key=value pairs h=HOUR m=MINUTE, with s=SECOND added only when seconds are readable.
h=4 m=1
